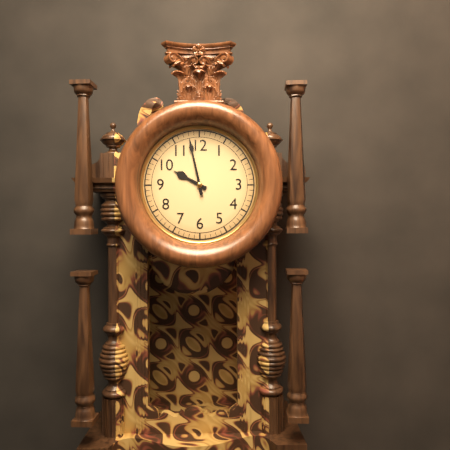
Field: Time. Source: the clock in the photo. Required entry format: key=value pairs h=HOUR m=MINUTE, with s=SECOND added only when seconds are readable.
h=9 m=58
